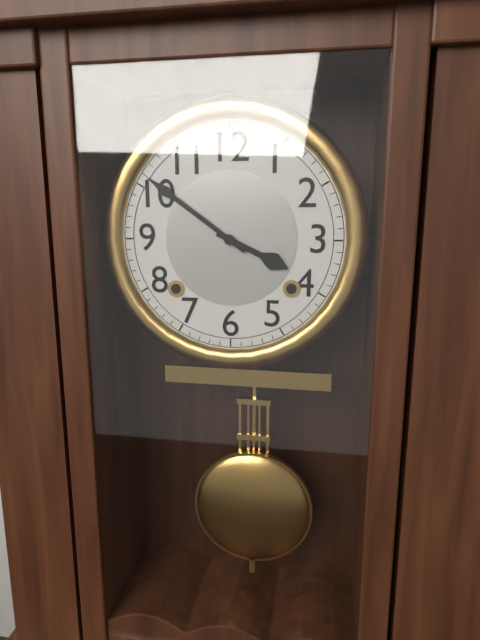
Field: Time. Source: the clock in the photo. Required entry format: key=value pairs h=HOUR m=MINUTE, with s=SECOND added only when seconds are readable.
h=3 m=51
